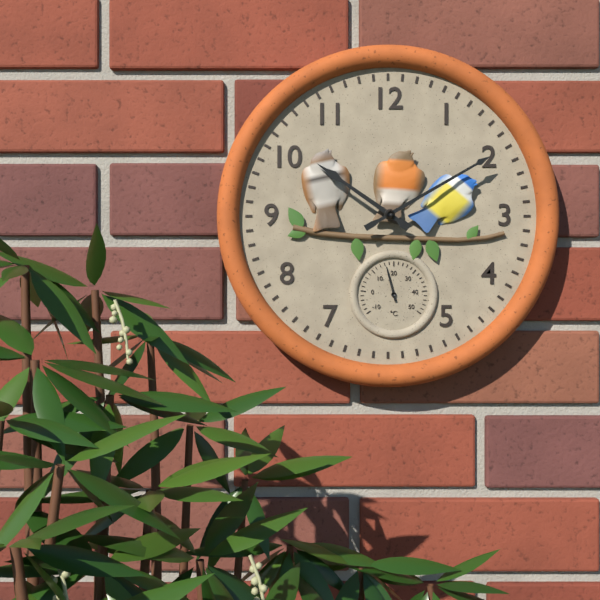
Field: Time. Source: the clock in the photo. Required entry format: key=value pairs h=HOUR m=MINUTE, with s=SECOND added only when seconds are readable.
h=10 m=10
